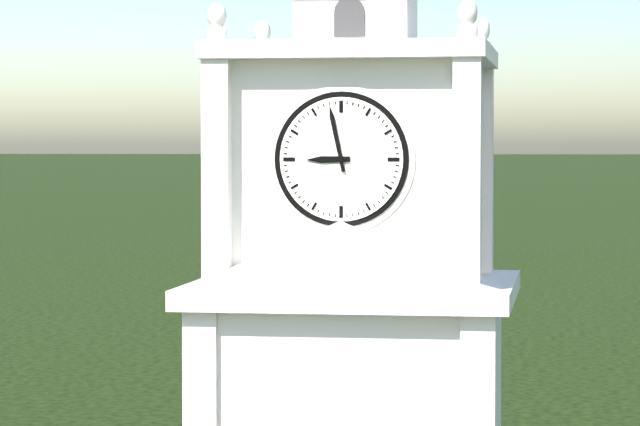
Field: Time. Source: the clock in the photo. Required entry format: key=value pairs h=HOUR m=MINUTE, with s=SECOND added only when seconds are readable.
h=8 m=58
